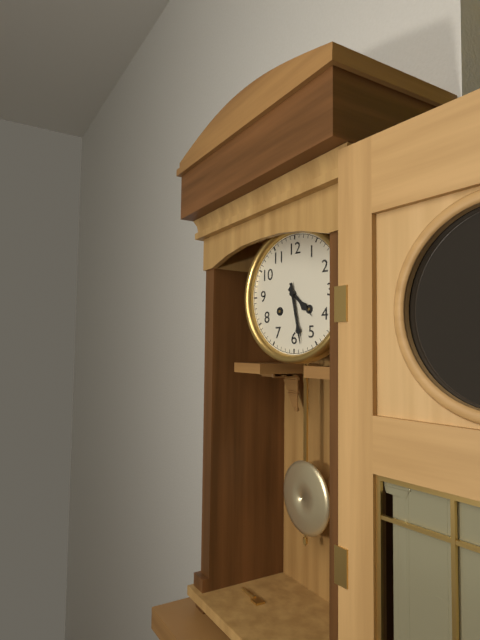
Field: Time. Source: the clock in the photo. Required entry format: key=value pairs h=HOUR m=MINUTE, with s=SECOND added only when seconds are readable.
h=4 m=28
